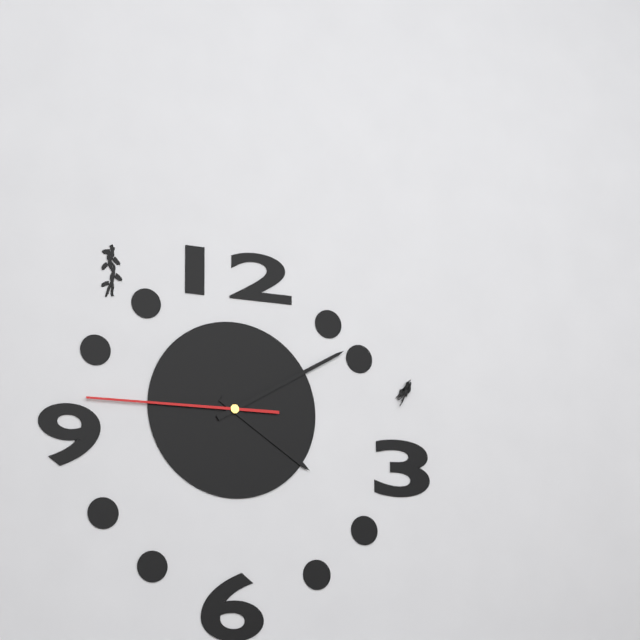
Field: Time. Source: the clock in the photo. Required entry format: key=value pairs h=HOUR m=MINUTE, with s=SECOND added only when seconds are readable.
h=4 m=10 s=45
